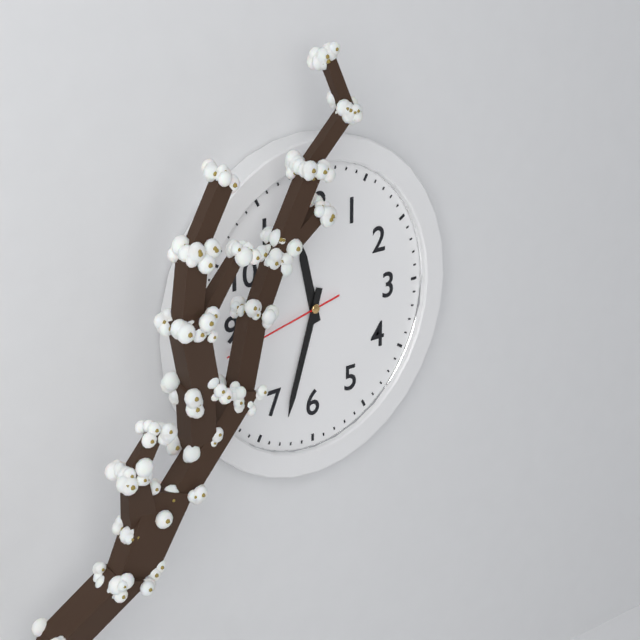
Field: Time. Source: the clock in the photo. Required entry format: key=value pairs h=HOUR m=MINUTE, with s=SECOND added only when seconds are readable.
h=11 m=33 s=43
